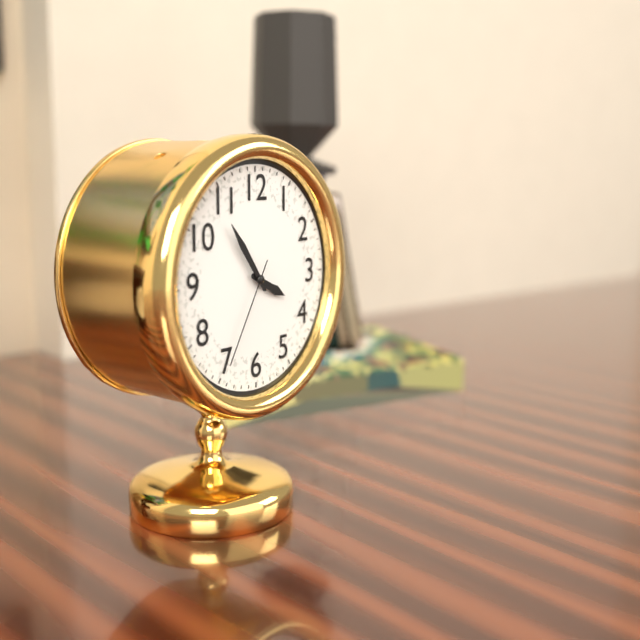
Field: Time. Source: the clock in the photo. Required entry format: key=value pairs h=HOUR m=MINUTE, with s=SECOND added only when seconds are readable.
h=3 m=54 s=35
